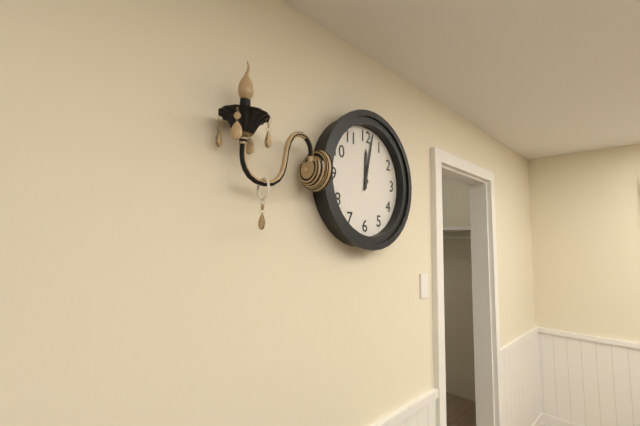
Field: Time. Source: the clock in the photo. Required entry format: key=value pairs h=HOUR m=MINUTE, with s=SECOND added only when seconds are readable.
h=12 m=2
